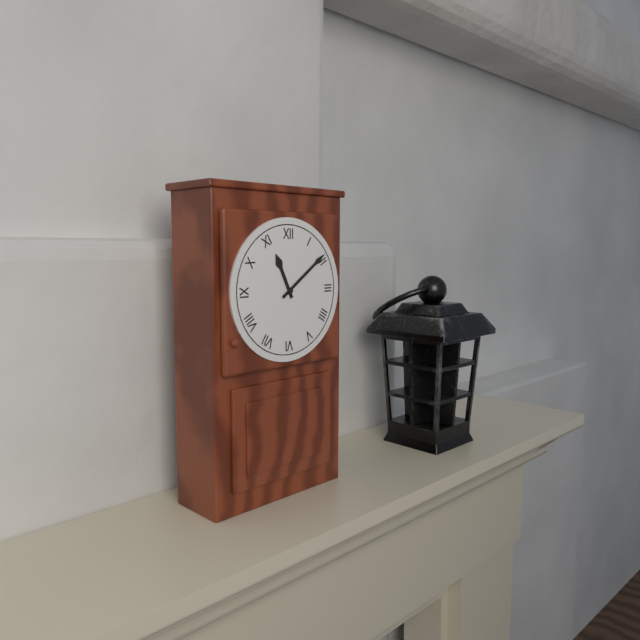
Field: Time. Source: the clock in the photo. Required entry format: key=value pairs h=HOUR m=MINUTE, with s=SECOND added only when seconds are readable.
h=11 m=9
